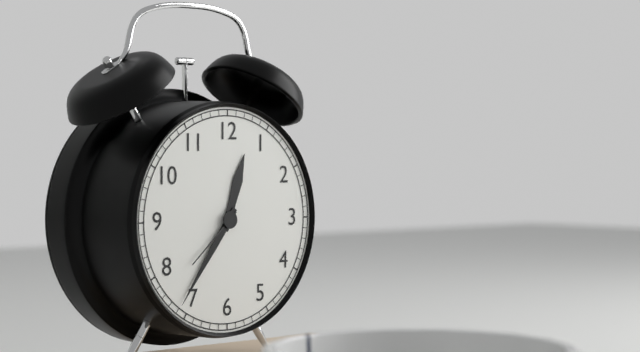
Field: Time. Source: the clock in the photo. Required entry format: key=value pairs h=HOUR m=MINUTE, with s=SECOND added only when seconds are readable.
h=12 m=36 s=38
